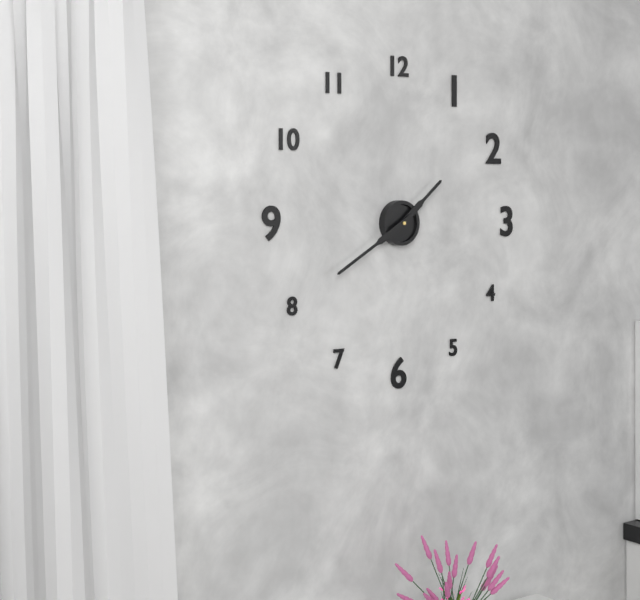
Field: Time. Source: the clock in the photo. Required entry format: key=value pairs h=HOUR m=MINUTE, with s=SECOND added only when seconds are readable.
h=1 m=40
